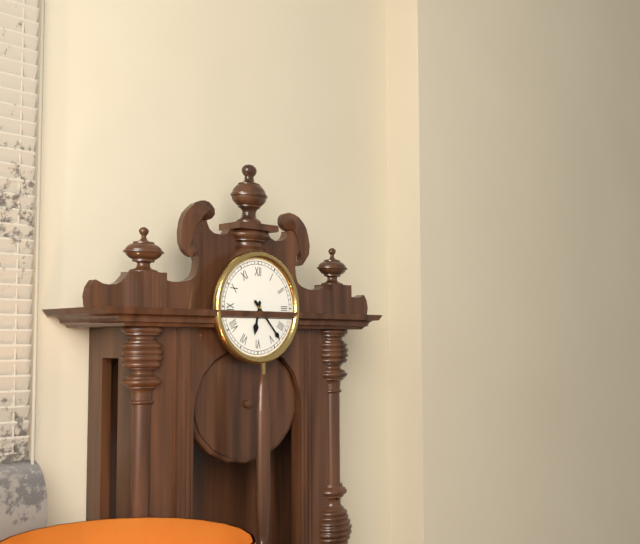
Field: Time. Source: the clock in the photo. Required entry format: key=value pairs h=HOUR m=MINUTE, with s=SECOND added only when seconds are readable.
h=6 m=23
